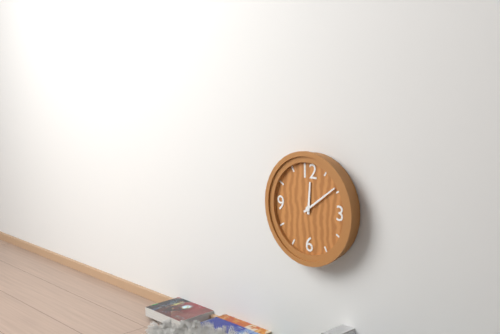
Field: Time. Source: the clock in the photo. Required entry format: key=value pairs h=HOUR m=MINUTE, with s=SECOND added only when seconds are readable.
h=12 m=9
